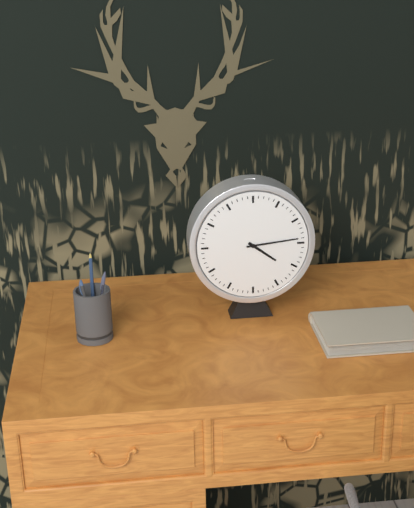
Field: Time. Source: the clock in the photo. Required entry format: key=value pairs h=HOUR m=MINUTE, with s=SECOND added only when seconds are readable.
h=4 m=14
